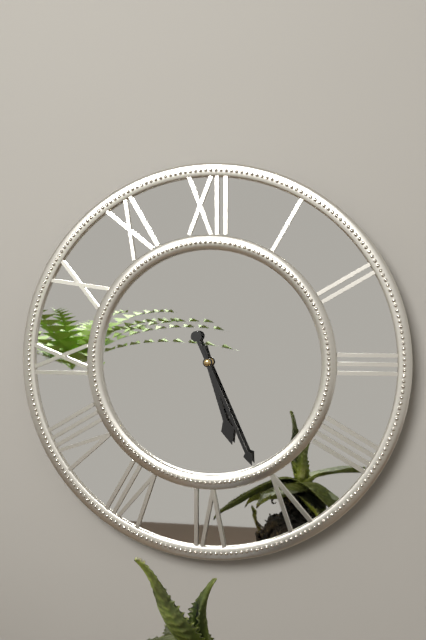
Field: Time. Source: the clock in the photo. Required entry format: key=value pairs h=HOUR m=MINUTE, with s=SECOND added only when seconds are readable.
h=5 m=26
